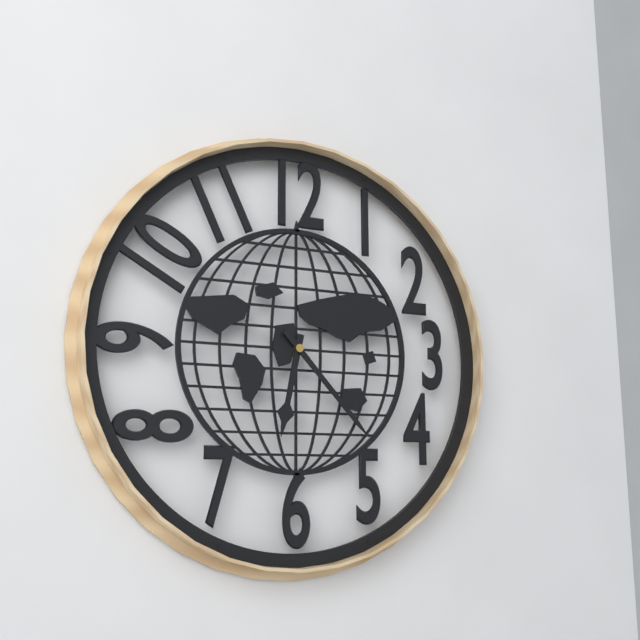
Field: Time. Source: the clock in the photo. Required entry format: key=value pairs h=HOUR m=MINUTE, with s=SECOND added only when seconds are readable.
h=6 m=23
